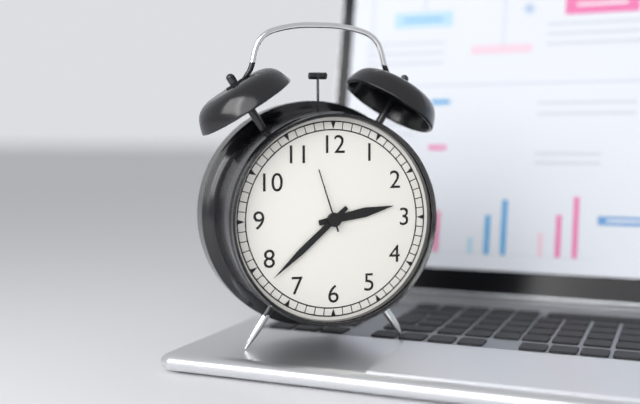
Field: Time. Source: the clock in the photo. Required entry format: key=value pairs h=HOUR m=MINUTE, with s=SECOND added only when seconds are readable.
h=2 m=38 s=57
